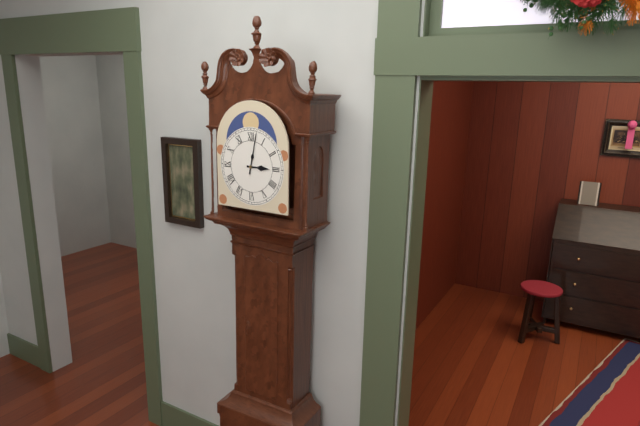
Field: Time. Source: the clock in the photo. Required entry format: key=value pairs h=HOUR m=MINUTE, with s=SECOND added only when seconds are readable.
h=3 m=2
